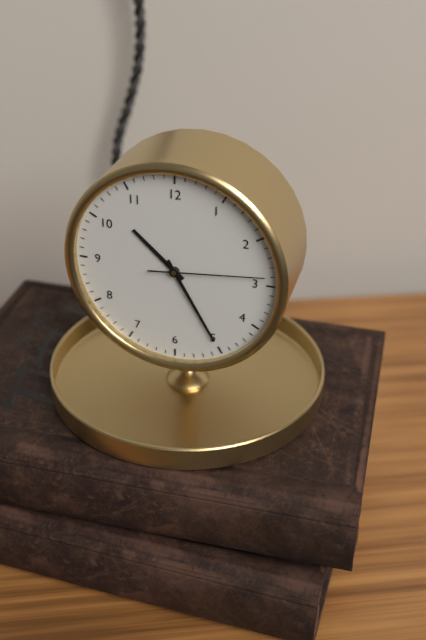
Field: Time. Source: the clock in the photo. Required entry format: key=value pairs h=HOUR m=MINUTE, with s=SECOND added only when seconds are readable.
h=10 m=25 s=14
